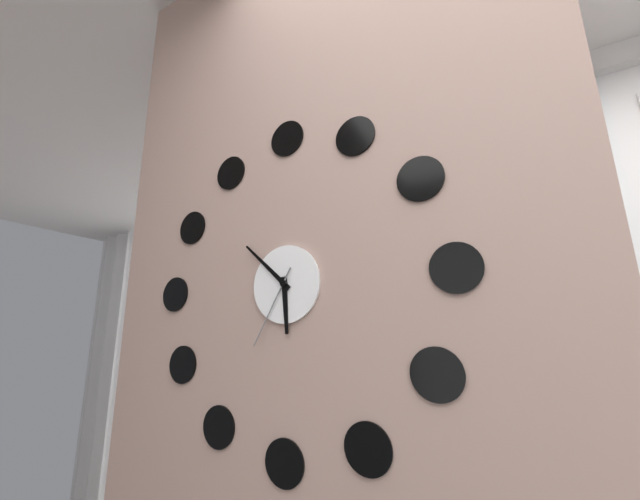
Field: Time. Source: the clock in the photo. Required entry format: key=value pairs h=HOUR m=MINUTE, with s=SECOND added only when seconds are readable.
h=5 m=52 s=35
